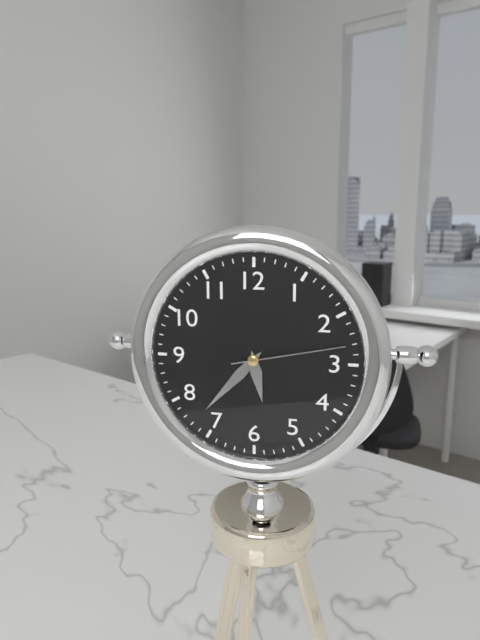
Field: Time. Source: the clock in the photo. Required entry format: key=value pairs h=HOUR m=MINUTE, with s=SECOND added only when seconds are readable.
h=5 m=37 s=13
